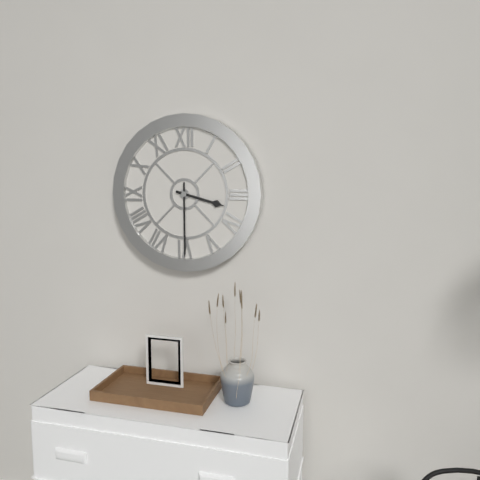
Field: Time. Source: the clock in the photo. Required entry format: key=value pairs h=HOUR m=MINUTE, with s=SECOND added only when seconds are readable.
h=3 m=30
